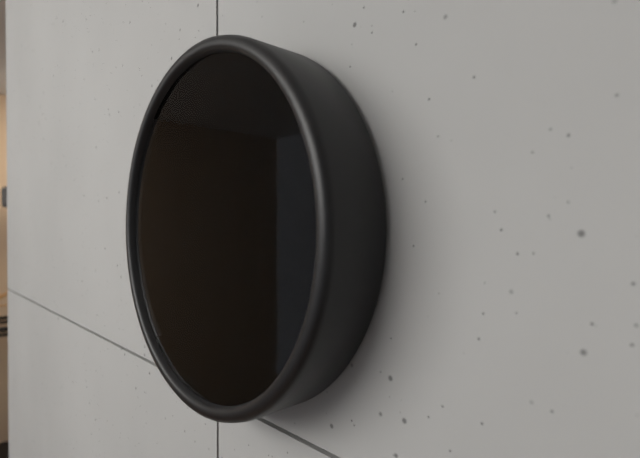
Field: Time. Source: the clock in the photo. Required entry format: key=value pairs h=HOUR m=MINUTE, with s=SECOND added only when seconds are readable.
h=11 m=58
